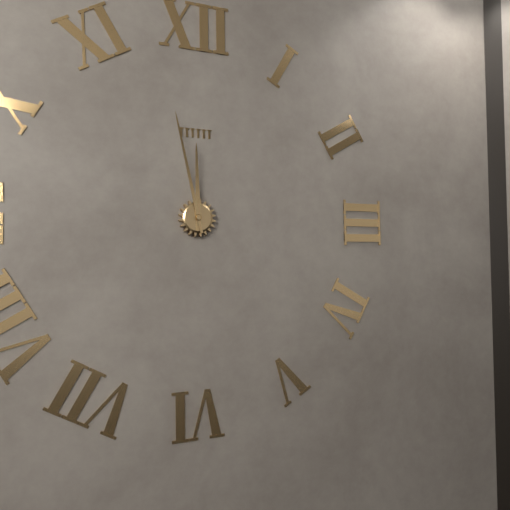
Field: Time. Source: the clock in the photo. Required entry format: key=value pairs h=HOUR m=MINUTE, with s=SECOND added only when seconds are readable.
h=11 m=58
